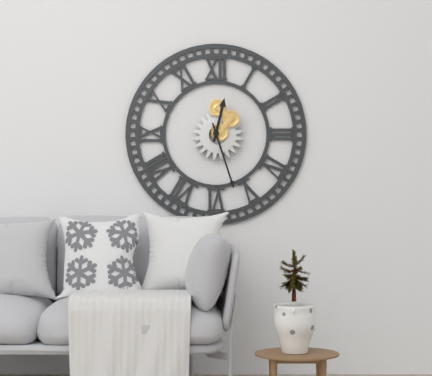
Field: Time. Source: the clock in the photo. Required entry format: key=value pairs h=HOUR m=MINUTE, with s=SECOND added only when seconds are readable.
h=12 m=27
